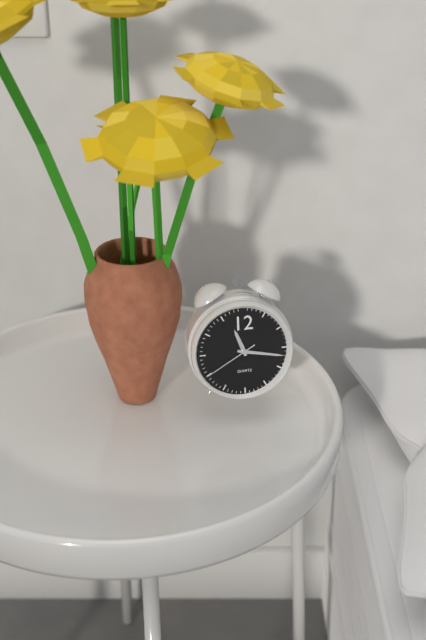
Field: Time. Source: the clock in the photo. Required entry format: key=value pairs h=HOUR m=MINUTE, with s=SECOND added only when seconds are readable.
h=11 m=17 s=40
